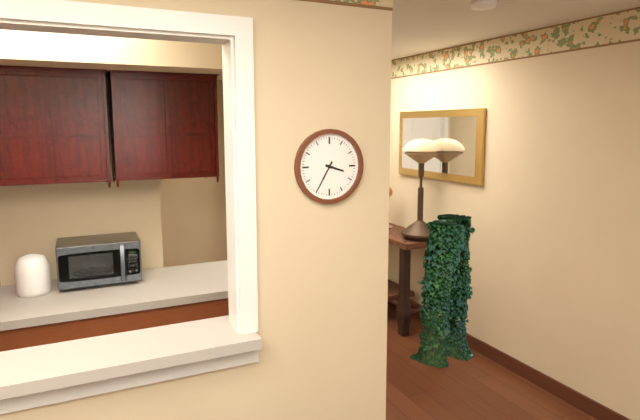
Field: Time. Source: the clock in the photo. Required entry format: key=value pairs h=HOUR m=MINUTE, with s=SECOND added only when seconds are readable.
h=3 m=35
